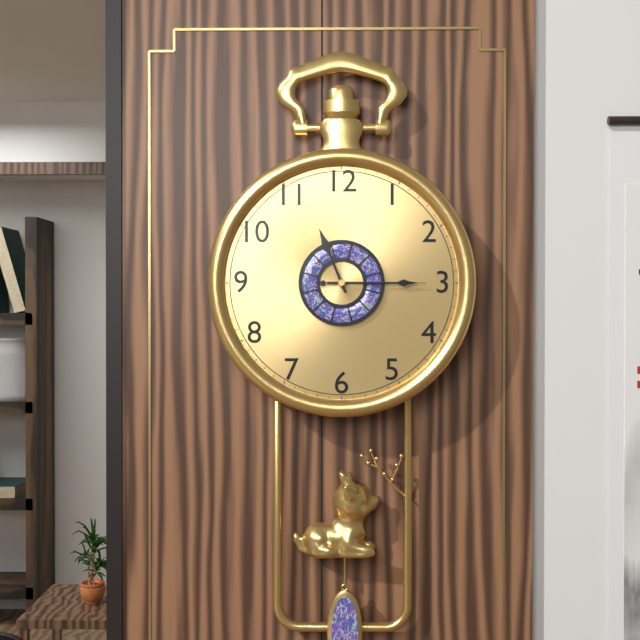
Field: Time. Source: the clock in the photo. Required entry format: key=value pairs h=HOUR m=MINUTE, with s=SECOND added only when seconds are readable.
h=11 m=15 s=15
